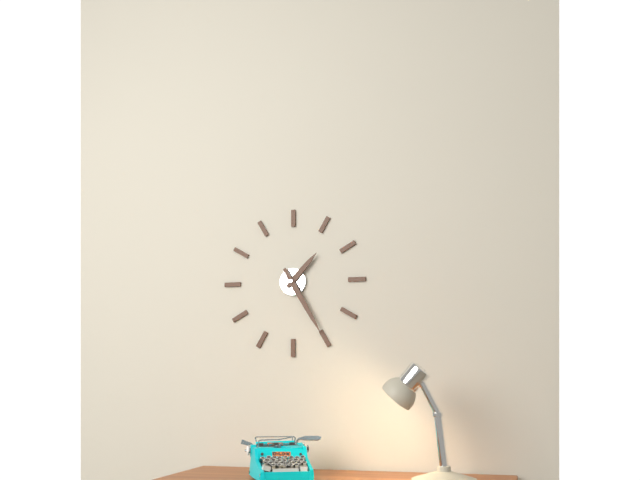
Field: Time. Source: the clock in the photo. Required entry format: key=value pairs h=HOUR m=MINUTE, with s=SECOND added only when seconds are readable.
h=1 m=25
